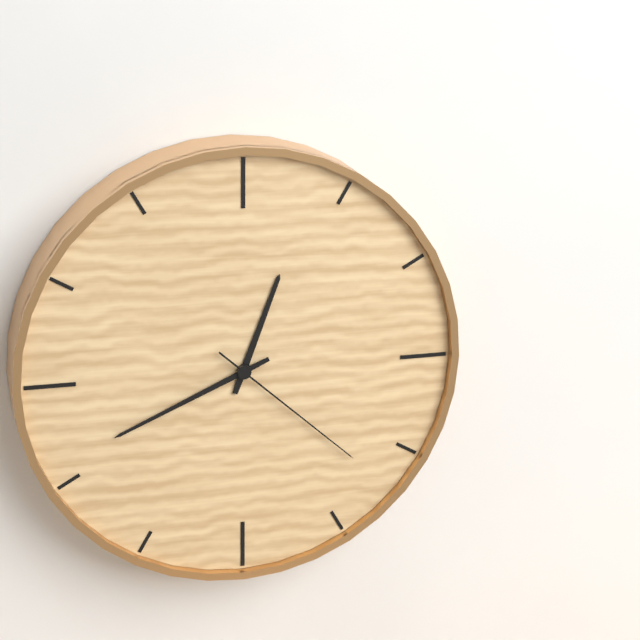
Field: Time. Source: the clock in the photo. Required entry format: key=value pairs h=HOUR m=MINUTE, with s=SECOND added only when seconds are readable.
h=12 m=41 s=22
